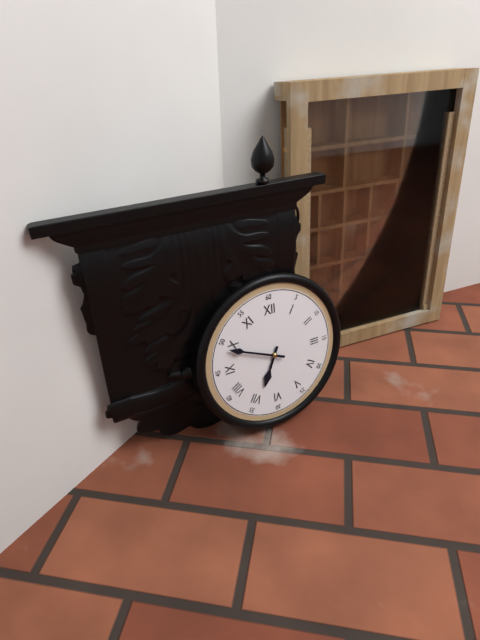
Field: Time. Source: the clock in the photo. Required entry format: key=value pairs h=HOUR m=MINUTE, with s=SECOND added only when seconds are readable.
h=6 m=49
